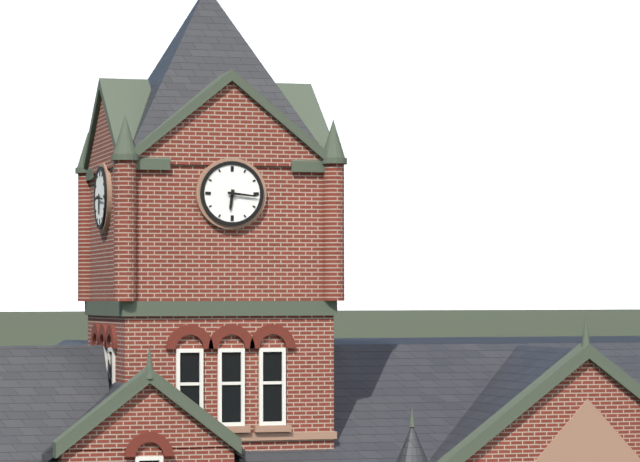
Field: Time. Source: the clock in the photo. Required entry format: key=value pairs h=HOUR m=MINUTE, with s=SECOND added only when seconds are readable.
h=6 m=16
